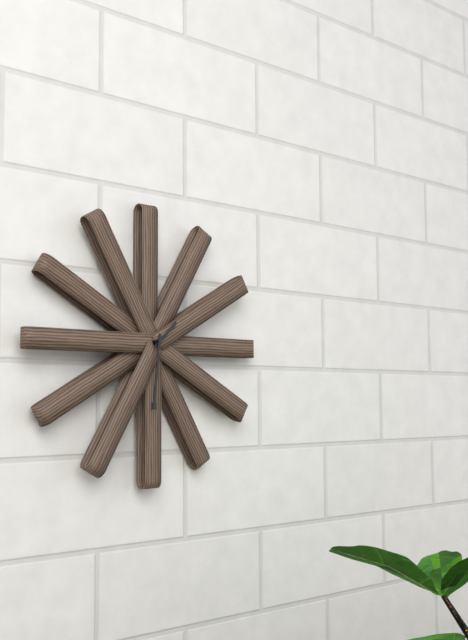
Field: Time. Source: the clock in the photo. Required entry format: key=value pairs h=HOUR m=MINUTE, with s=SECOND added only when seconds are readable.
h=1 m=31
